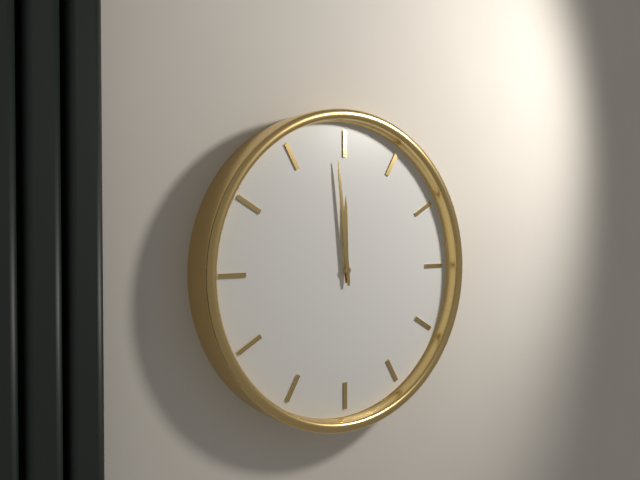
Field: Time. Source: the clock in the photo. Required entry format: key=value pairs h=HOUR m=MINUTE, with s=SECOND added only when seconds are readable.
h=11 m=59
